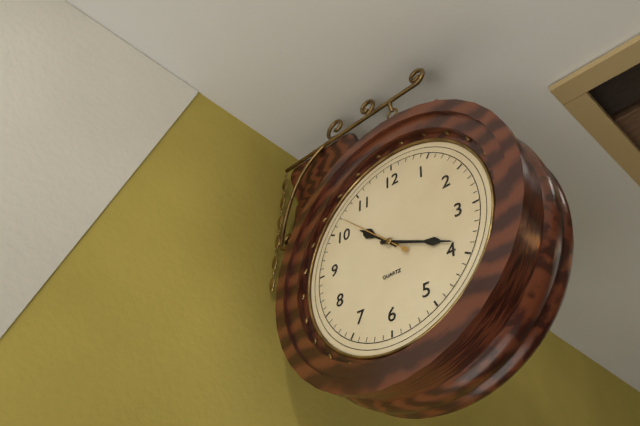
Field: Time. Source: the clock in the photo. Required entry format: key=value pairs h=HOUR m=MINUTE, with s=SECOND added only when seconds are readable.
h=10 m=19 s=52
